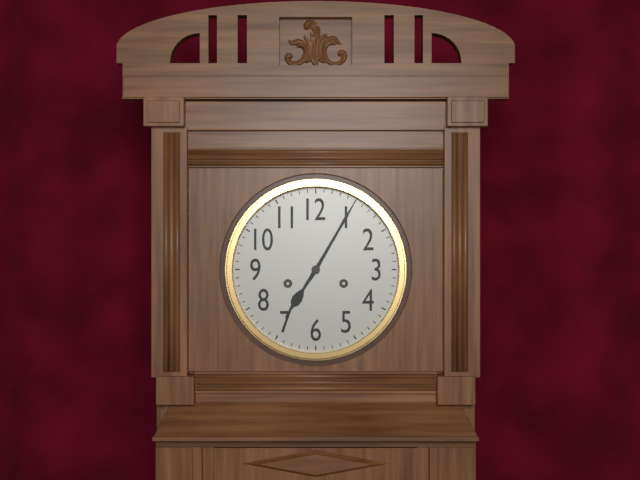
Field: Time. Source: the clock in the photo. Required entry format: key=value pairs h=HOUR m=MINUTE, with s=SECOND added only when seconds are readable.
h=7 m=5
